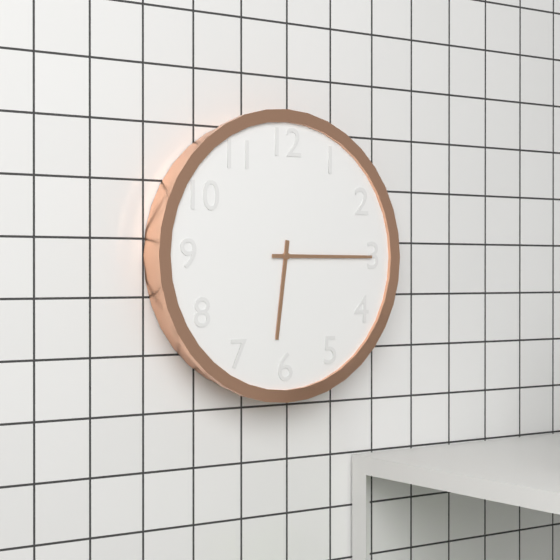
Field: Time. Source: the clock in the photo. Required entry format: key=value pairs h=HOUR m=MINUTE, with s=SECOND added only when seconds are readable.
h=6 m=15
